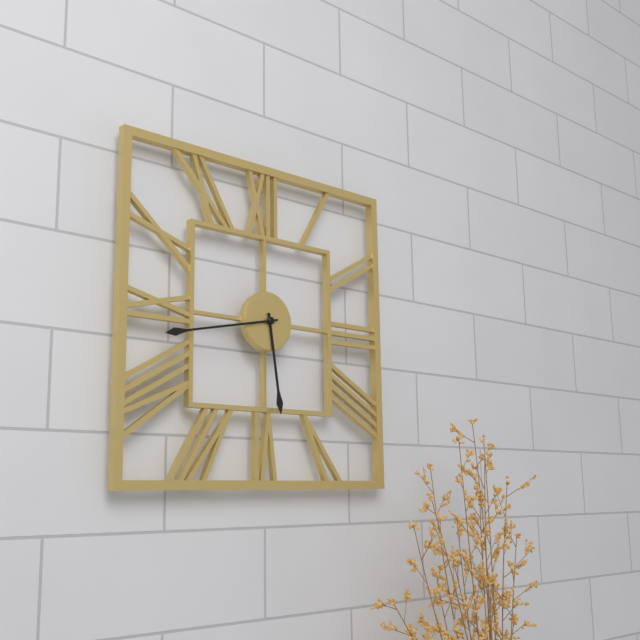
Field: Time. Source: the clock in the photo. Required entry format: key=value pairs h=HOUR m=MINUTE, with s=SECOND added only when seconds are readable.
h=5 m=43
